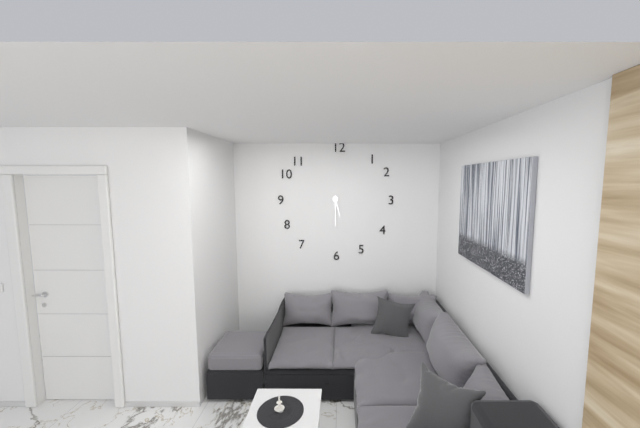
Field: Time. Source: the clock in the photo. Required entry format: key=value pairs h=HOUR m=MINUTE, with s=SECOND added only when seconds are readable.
h=5 m=30
